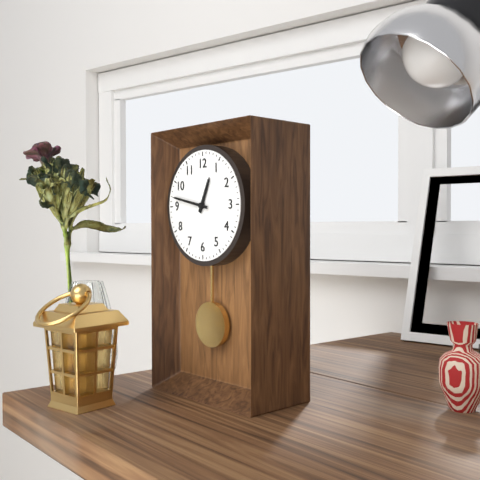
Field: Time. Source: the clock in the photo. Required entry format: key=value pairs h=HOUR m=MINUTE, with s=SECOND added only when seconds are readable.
h=12 m=47
